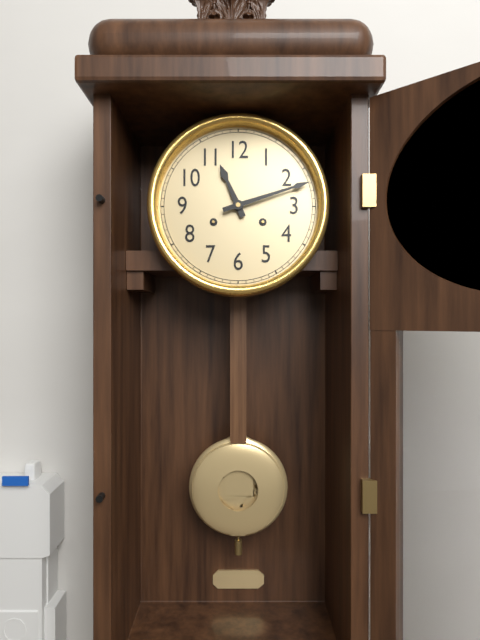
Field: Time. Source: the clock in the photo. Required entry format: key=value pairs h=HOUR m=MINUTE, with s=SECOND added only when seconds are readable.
h=11 m=12
